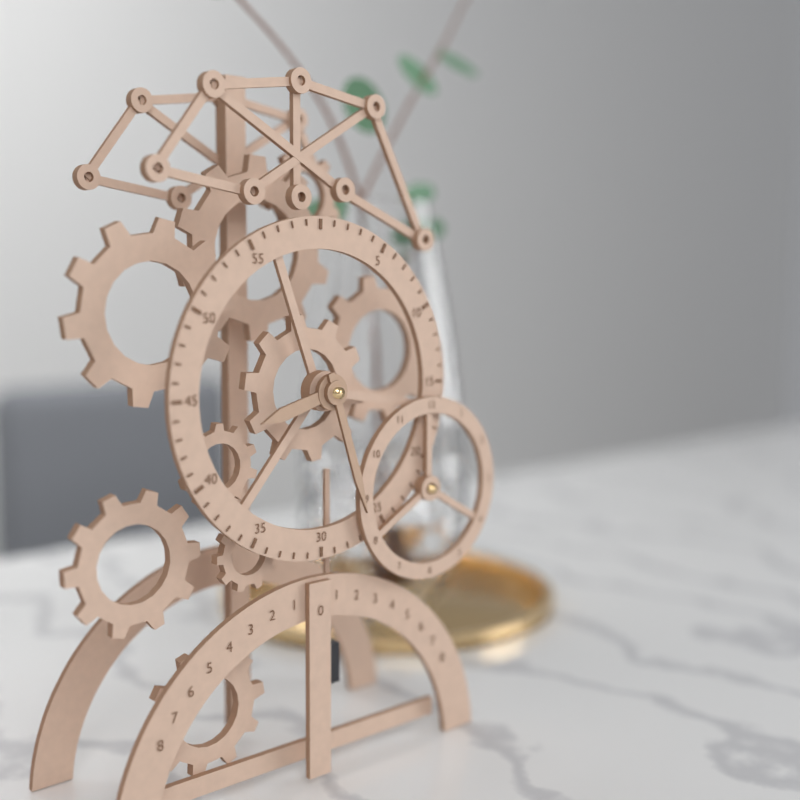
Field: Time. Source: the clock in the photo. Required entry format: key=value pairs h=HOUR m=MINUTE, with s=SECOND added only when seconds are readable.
h=8 m=27
